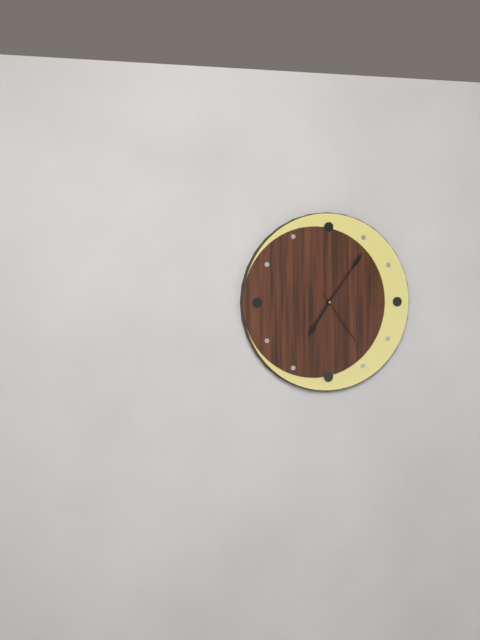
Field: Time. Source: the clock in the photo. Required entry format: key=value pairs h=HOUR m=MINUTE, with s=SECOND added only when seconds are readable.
h=7 m=6 s=24
